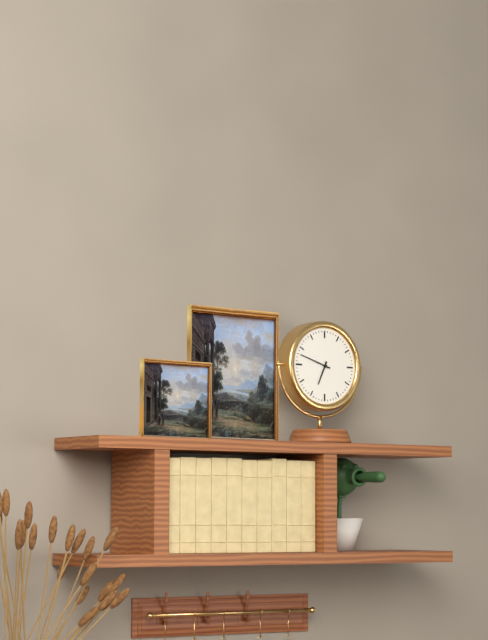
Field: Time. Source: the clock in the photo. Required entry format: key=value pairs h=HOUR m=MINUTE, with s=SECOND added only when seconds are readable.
h=6 m=48
